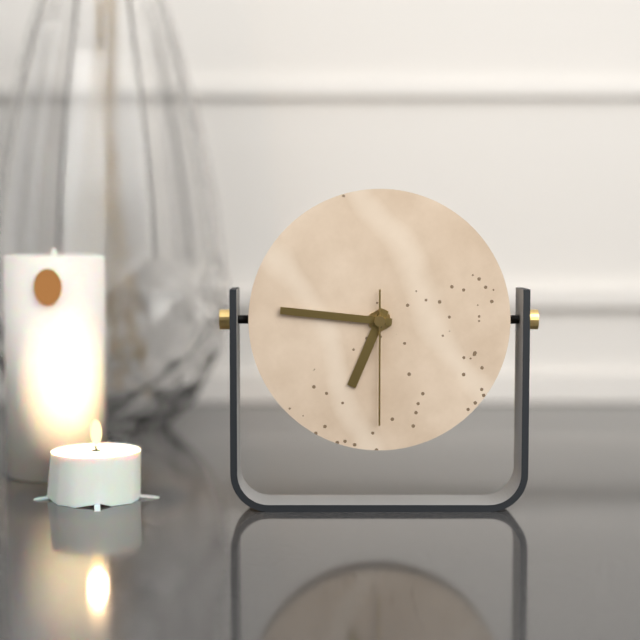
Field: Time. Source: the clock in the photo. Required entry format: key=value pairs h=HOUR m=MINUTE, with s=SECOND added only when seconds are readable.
h=6 m=46 s=30
